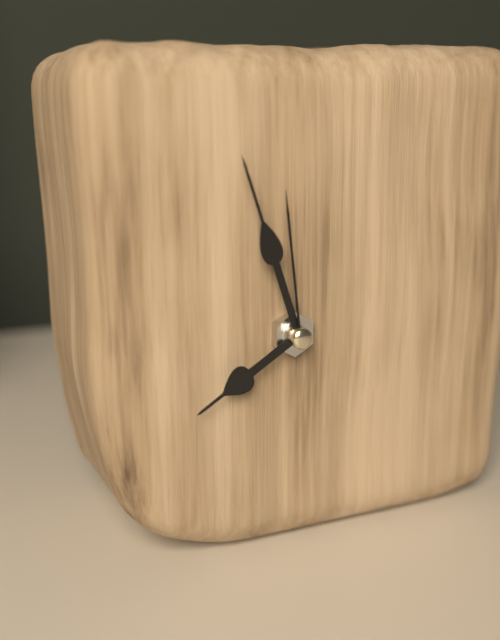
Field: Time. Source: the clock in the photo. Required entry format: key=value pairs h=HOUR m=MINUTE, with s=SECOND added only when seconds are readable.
h=7 m=57 s=59
